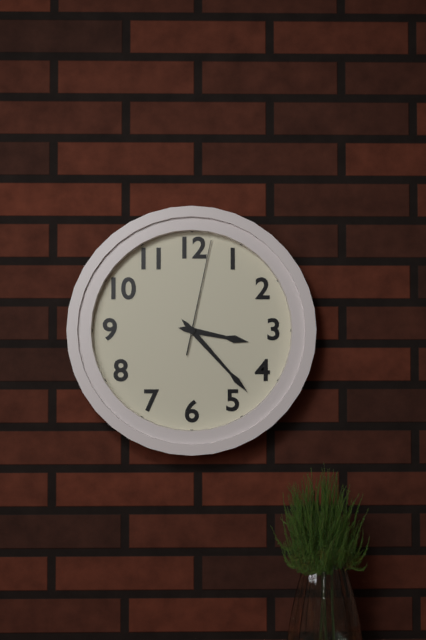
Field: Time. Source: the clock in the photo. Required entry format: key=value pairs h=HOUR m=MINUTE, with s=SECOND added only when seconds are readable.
h=3 m=23 s=2
